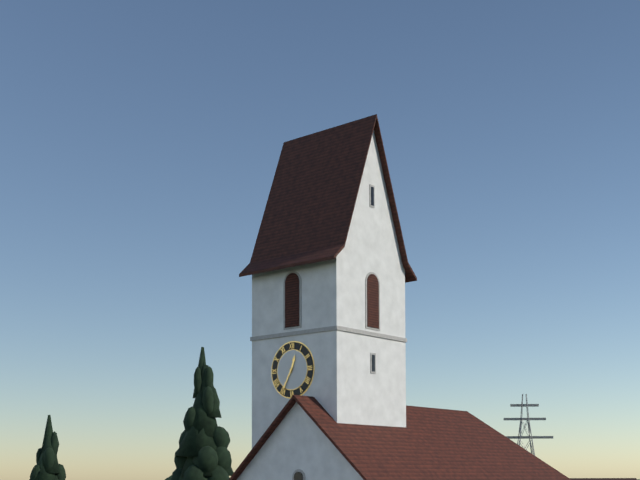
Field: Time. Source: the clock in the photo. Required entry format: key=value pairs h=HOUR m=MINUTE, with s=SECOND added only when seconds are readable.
h=12 m=35
